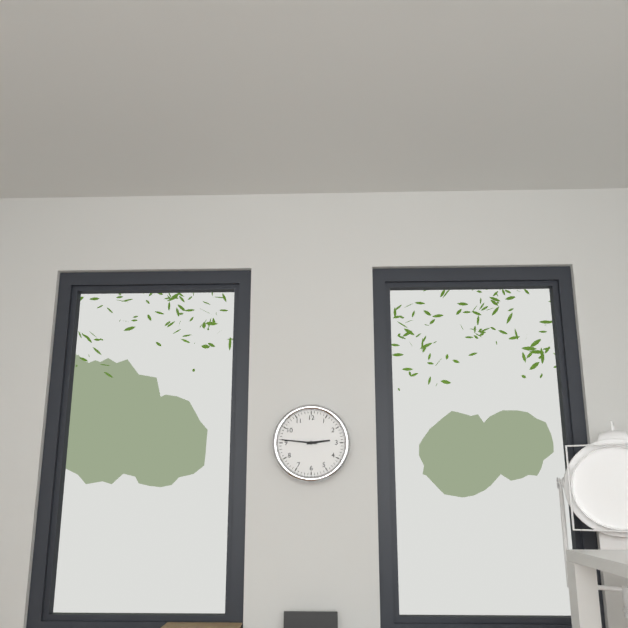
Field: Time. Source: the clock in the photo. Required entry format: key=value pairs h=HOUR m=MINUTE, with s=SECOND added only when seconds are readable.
h=2 m=46
